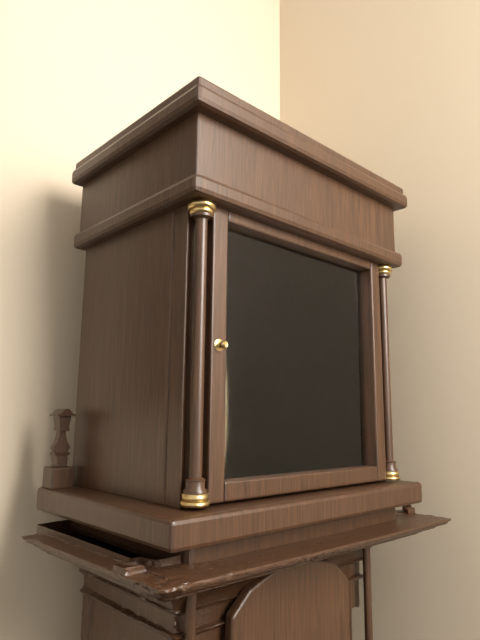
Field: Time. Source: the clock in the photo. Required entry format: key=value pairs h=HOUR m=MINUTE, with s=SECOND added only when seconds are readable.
h=10 m=18
